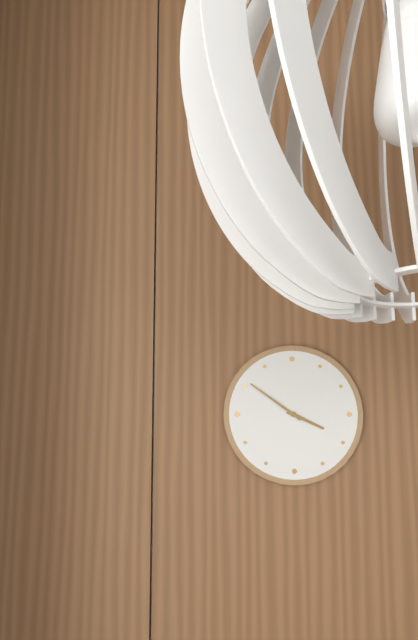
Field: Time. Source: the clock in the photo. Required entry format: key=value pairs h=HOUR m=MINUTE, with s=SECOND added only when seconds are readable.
h=3 m=51
